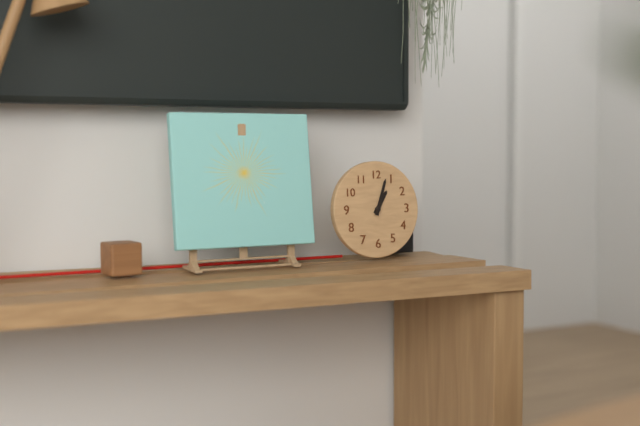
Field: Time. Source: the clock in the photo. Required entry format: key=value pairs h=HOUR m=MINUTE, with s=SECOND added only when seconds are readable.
h=1 m=3
